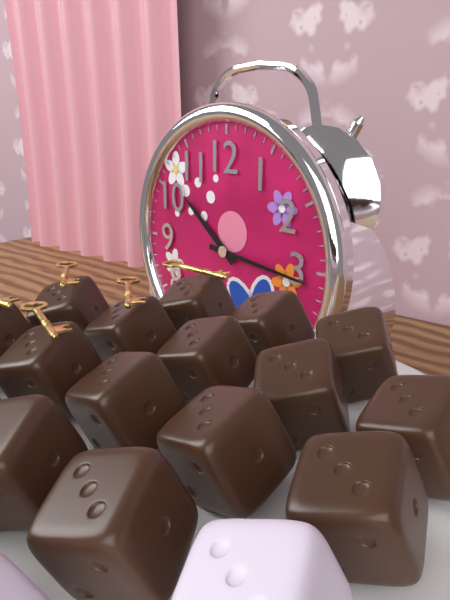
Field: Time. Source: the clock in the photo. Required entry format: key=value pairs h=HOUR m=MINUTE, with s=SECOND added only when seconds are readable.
h=10 m=16
